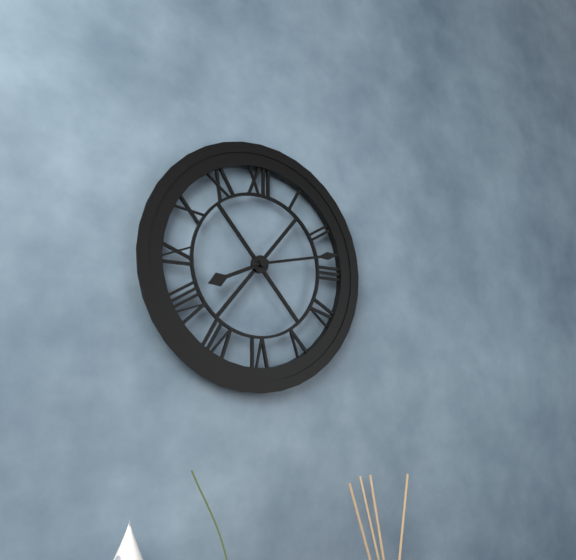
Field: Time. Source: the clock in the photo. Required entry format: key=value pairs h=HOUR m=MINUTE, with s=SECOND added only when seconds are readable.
h=8 m=13
